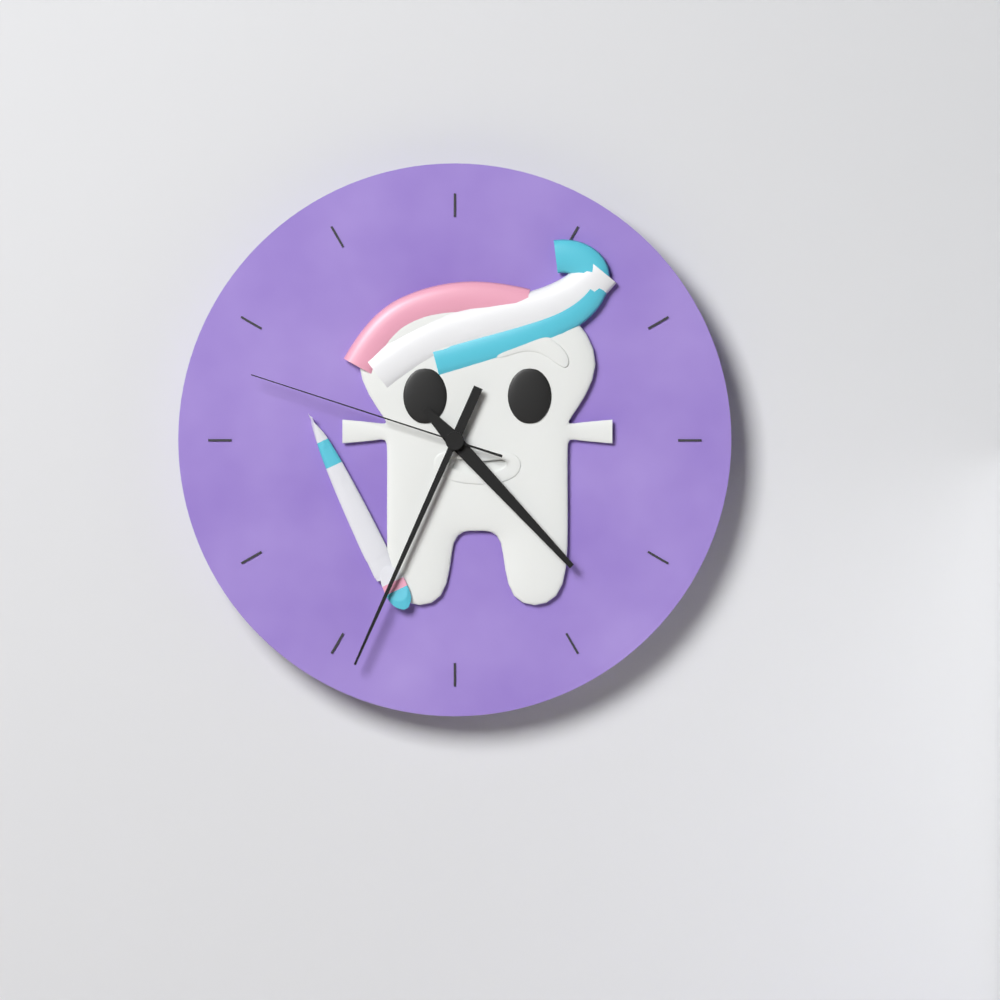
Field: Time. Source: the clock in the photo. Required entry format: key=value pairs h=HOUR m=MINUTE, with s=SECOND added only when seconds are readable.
h=4 m=34 s=48
